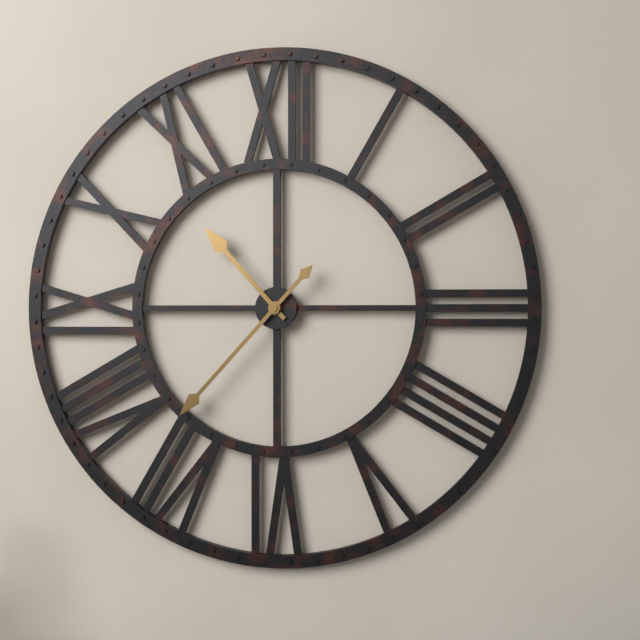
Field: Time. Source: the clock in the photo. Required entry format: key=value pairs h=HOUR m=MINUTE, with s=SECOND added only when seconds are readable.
h=10 m=37
